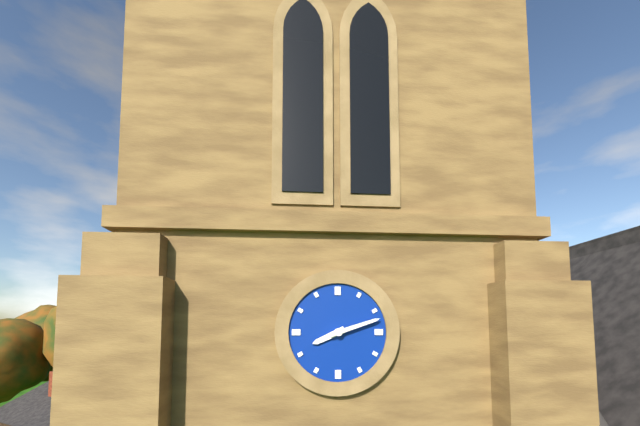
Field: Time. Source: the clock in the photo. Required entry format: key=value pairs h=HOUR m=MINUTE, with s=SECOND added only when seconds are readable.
h=8 m=12
